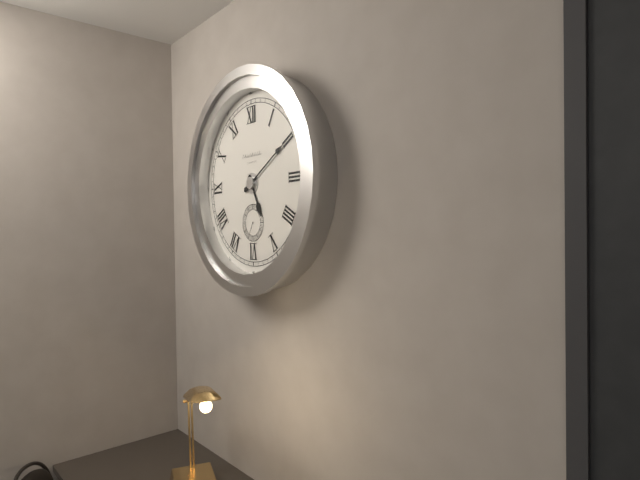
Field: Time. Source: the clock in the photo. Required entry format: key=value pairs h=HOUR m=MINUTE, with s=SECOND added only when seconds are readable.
h=5 m=10
